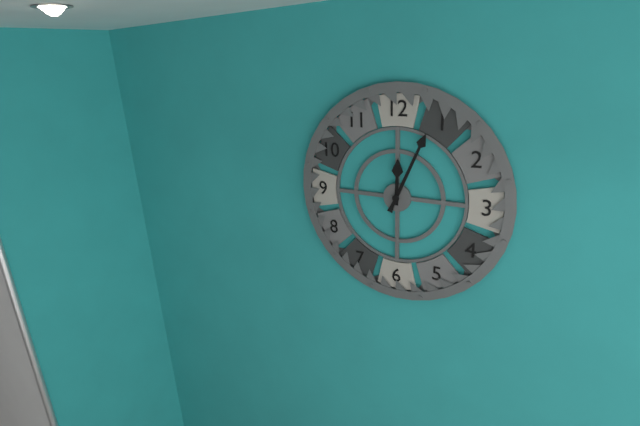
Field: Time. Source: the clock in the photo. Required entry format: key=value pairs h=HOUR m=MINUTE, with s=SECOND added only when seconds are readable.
h=12 m=4
